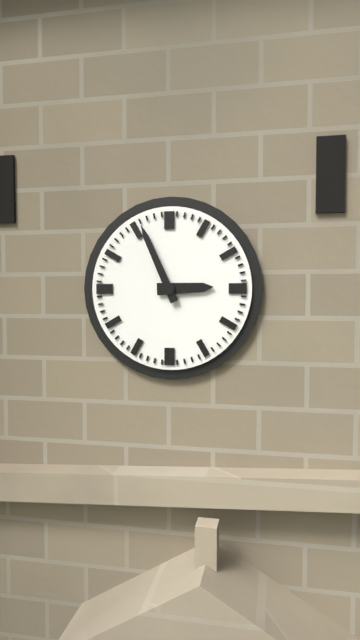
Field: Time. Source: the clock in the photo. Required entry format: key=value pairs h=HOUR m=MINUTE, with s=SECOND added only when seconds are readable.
h=2 m=56
